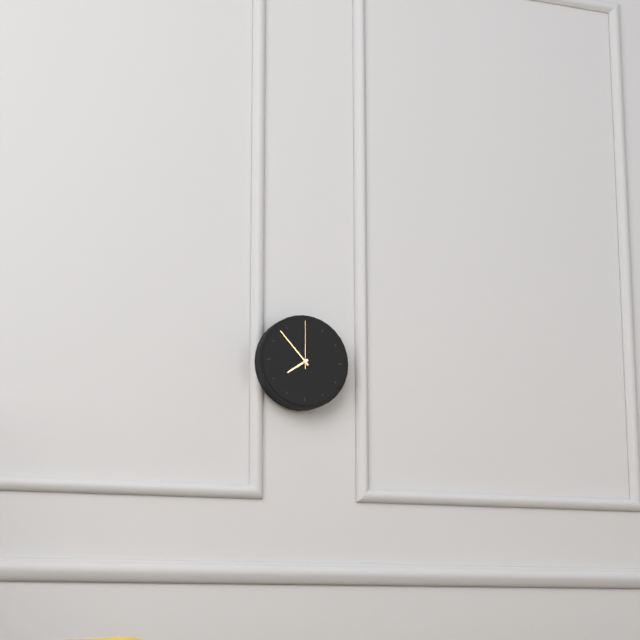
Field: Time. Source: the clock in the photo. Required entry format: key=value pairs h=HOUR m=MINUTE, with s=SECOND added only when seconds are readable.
h=7 m=53 s=0
